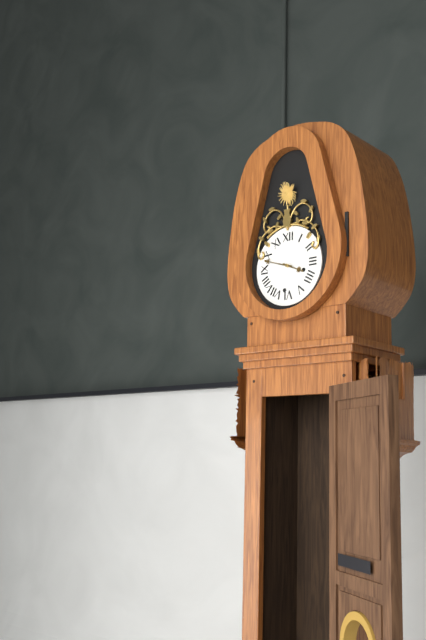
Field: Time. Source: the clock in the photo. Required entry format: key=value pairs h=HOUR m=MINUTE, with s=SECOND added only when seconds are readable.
h=3 m=48
